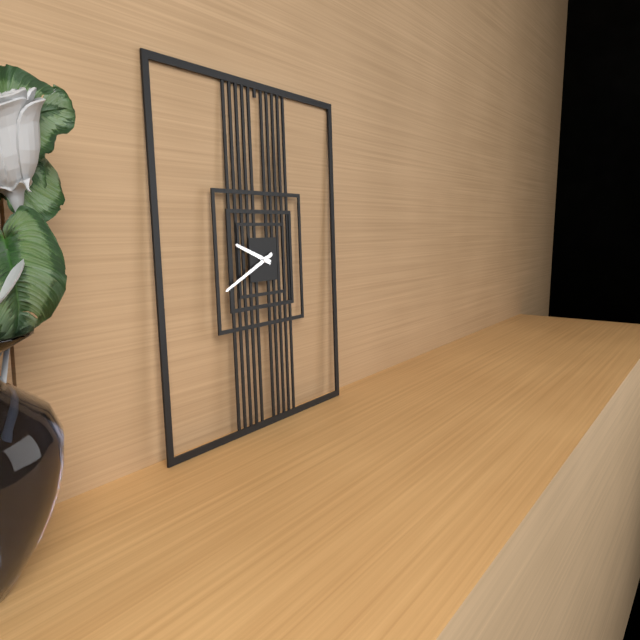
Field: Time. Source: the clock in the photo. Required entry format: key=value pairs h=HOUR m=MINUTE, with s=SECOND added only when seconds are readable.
h=9 m=41
